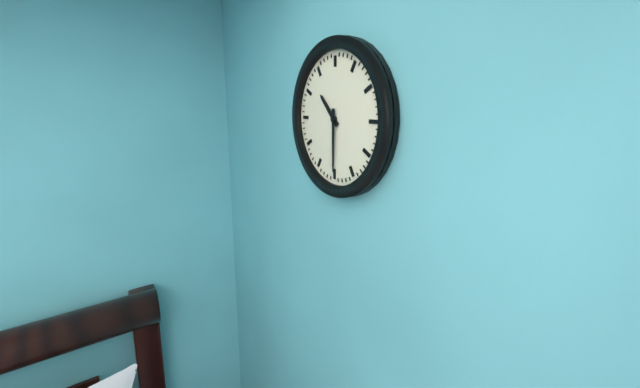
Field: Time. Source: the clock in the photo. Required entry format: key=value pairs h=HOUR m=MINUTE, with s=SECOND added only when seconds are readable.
h=10 m=30
